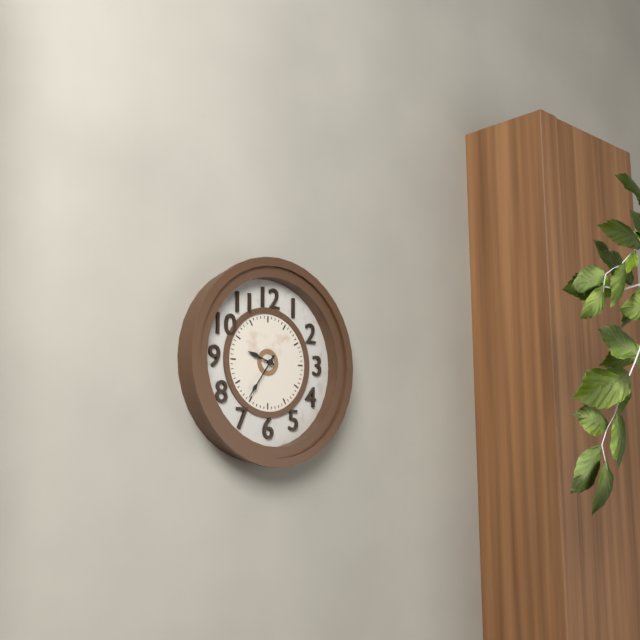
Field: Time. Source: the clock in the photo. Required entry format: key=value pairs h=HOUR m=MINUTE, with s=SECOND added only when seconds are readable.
h=9 m=36
